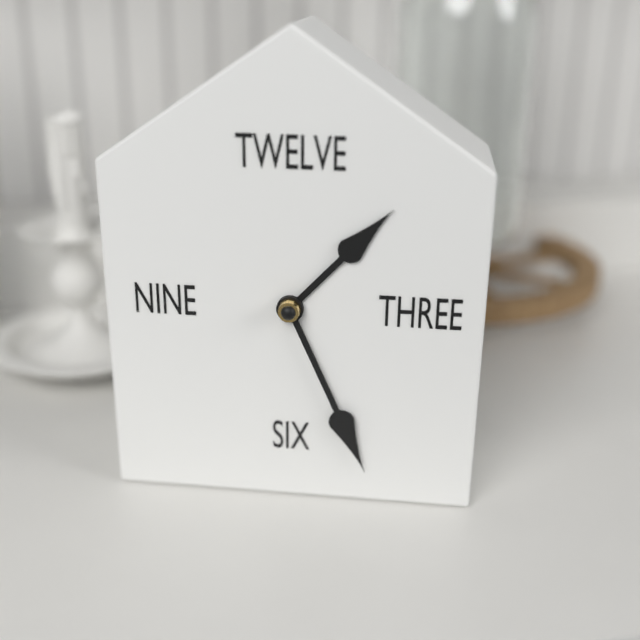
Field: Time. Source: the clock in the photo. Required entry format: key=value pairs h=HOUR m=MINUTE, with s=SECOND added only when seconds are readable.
h=1 m=26
